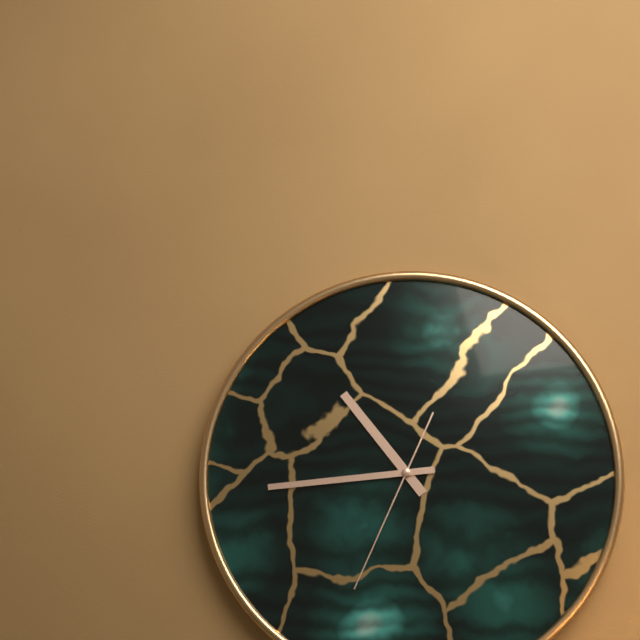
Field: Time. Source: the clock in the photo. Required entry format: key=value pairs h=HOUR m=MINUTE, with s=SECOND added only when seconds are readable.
h=10 m=44 s=34
